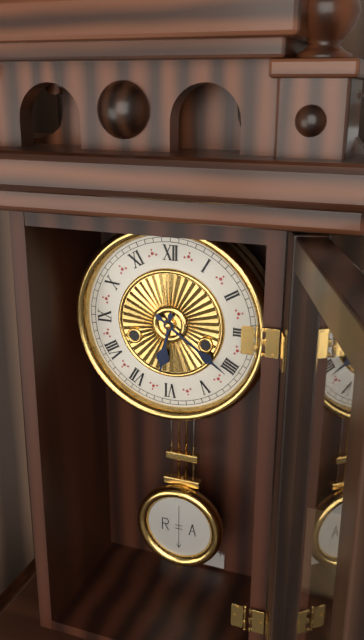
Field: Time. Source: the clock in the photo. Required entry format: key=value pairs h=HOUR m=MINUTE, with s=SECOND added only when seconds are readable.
h=6 m=21
